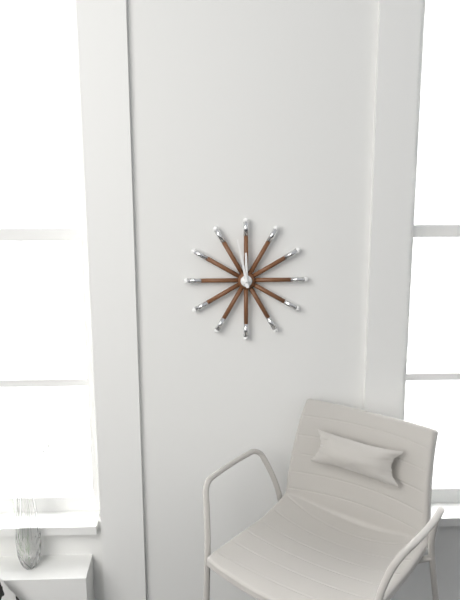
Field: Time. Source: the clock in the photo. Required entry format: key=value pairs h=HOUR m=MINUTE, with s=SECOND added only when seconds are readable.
h=11 m=58
